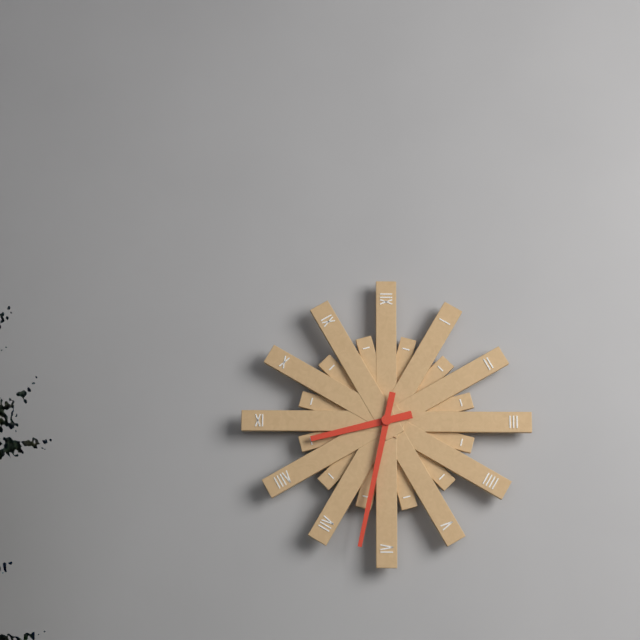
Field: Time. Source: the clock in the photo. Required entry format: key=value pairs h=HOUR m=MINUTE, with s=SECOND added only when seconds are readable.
h=8 m=32
